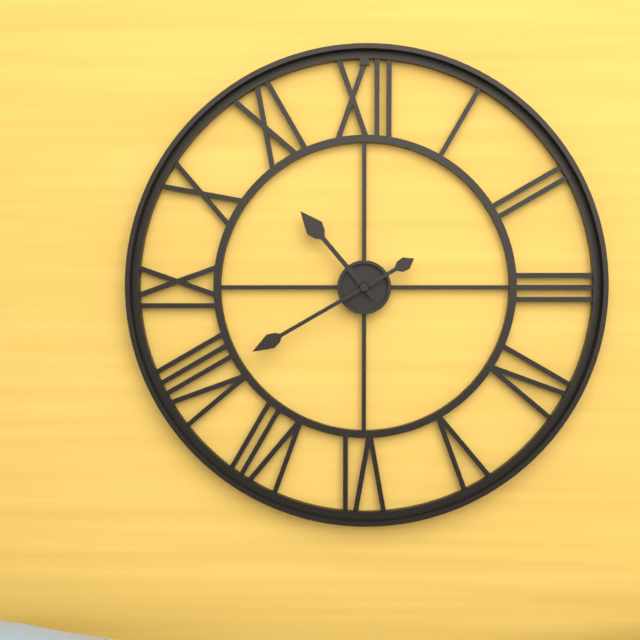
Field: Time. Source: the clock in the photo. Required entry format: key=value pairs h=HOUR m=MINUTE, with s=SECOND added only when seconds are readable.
h=10 m=40
